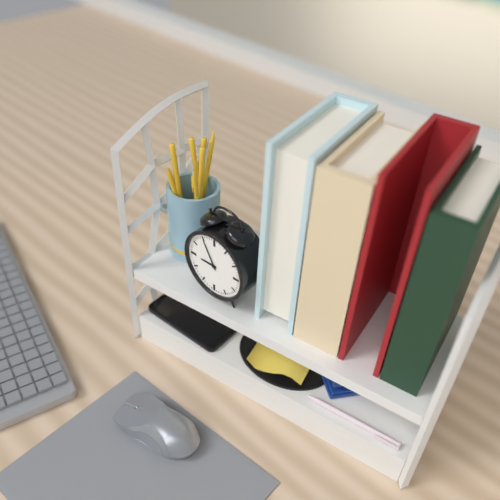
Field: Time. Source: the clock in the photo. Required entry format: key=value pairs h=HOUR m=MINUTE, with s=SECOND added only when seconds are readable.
h=8 m=55
